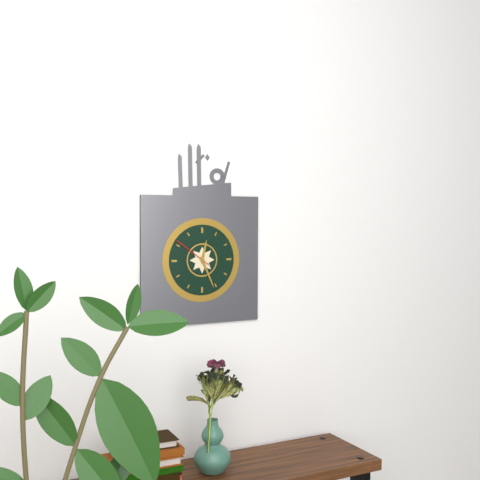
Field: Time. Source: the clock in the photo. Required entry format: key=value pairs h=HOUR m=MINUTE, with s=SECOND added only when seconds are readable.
h=12 m=26
